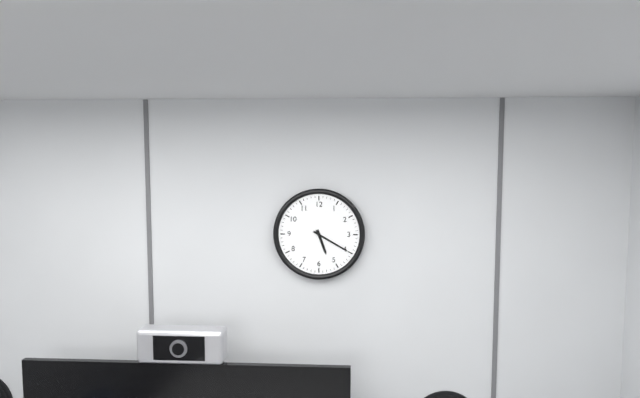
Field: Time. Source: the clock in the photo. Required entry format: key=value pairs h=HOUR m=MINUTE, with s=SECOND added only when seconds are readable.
h=5 m=20
